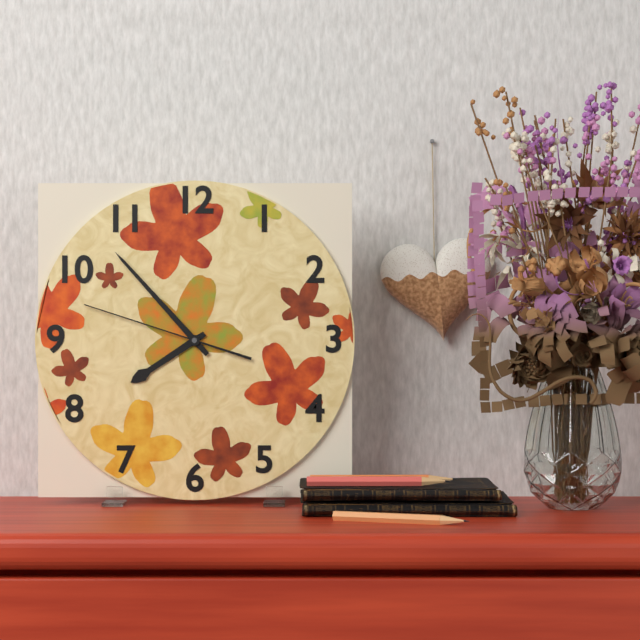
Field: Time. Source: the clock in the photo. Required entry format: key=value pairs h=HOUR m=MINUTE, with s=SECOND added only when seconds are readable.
h=7 m=53 s=48
